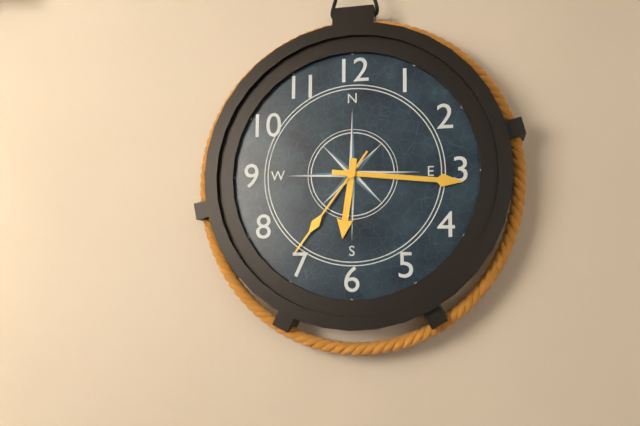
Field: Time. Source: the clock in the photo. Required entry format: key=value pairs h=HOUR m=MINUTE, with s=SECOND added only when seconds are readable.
h=6 m=16 s=36
